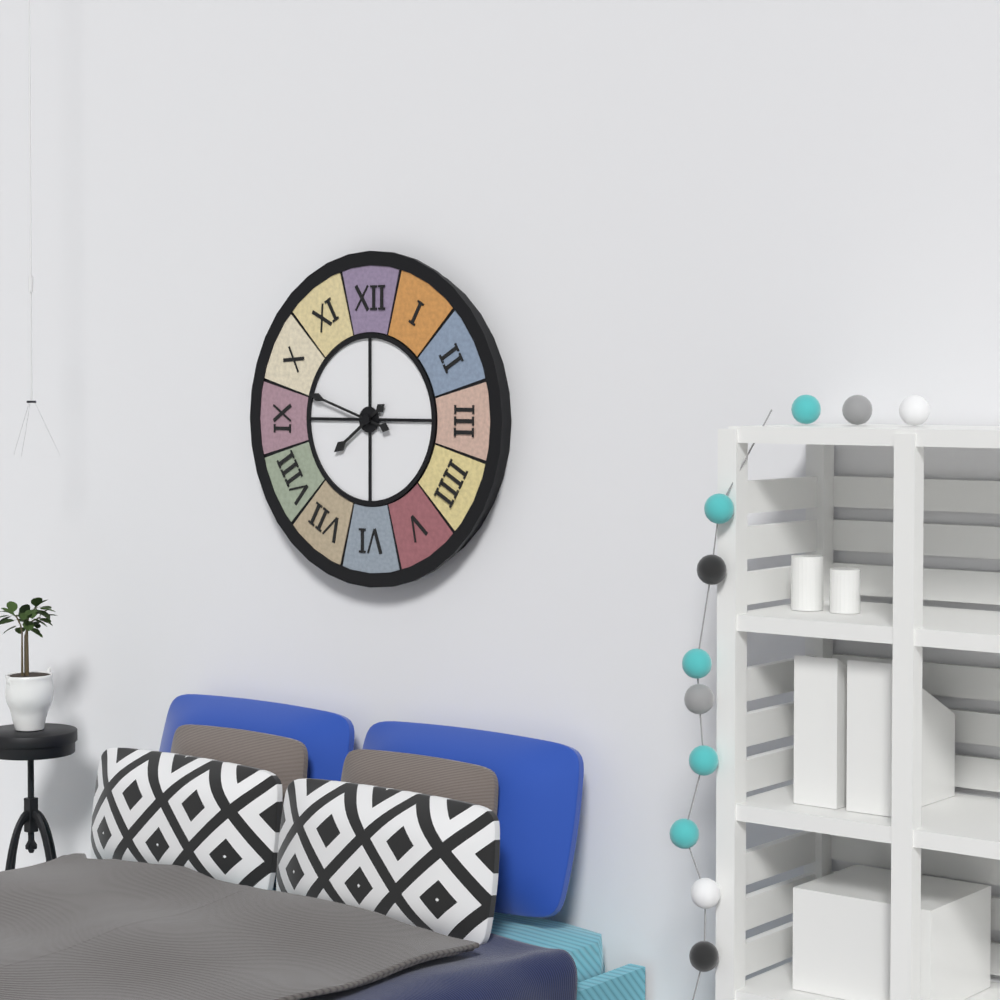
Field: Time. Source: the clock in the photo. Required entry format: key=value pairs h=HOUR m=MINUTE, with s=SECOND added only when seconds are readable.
h=7 m=48
